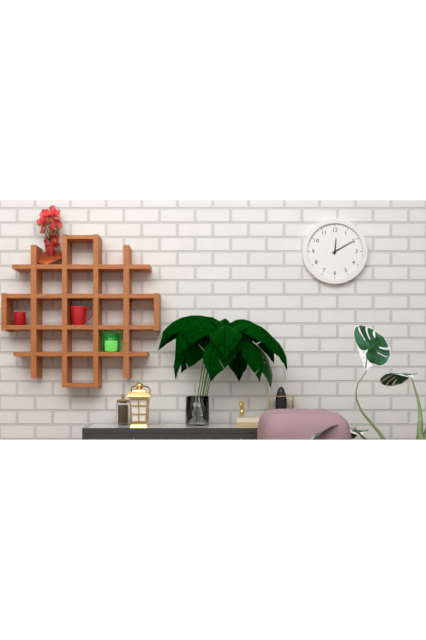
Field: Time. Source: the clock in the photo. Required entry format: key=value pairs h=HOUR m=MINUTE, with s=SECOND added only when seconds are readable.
h=12 m=10
